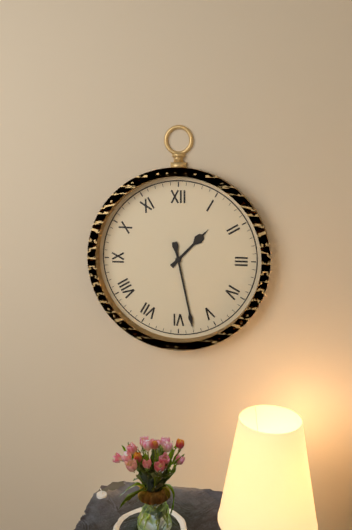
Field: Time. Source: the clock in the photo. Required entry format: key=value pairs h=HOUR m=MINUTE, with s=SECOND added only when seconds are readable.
h=1 m=28
